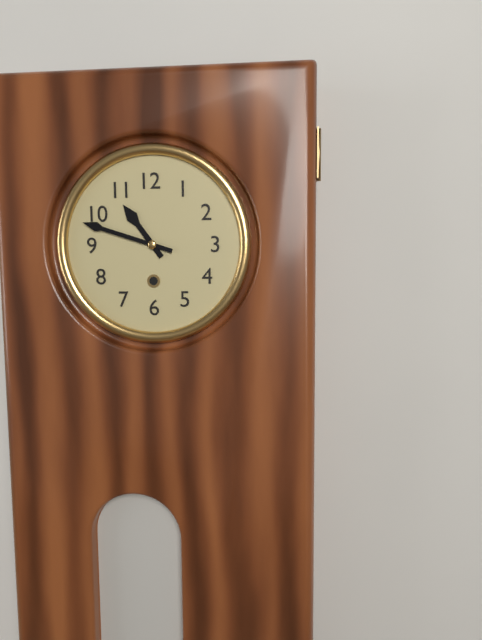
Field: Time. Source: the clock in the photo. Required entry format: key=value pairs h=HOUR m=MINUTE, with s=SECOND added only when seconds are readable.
h=10 m=48
